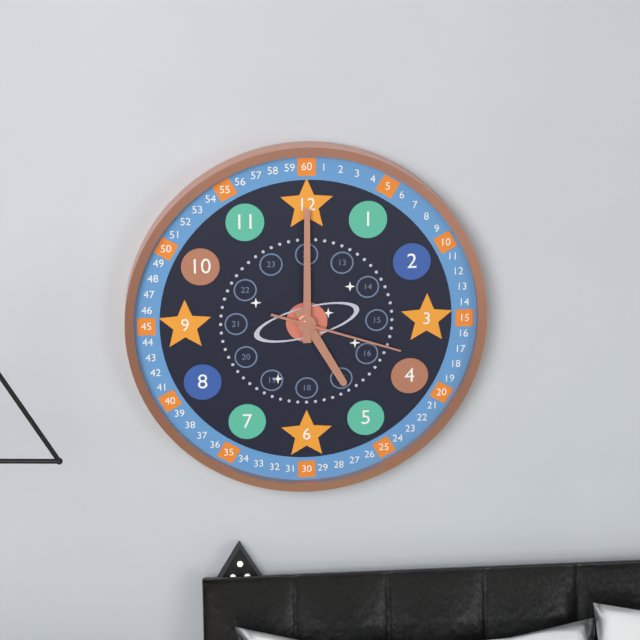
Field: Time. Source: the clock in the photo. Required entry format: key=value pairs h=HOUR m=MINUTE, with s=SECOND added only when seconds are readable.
h=5 m=0 s=18
